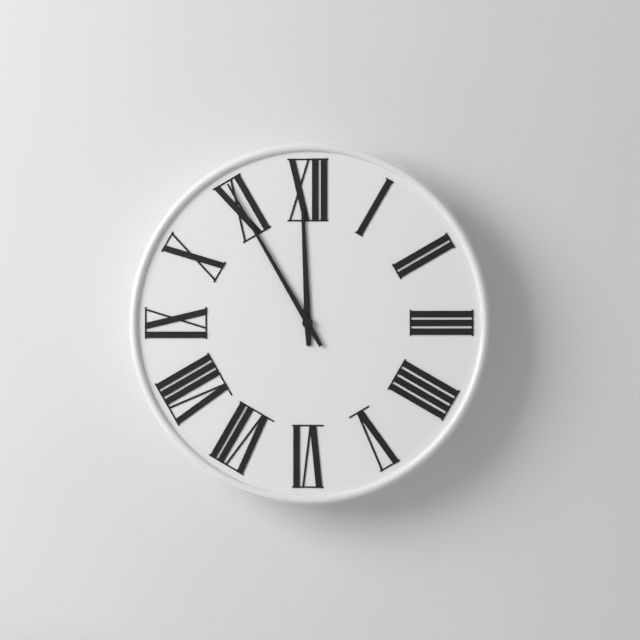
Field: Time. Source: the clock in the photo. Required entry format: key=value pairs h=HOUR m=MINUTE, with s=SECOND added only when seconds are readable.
h=11 m=55
